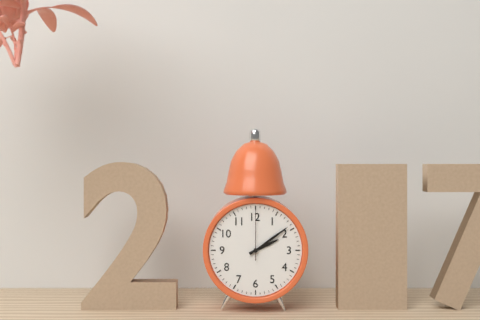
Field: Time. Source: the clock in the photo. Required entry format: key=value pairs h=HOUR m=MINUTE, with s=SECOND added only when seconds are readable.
h=2 m=9 s=0
